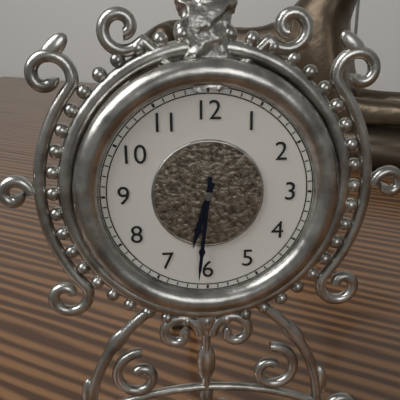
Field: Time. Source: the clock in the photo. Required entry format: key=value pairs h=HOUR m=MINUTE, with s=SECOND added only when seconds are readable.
h=6 m=31
